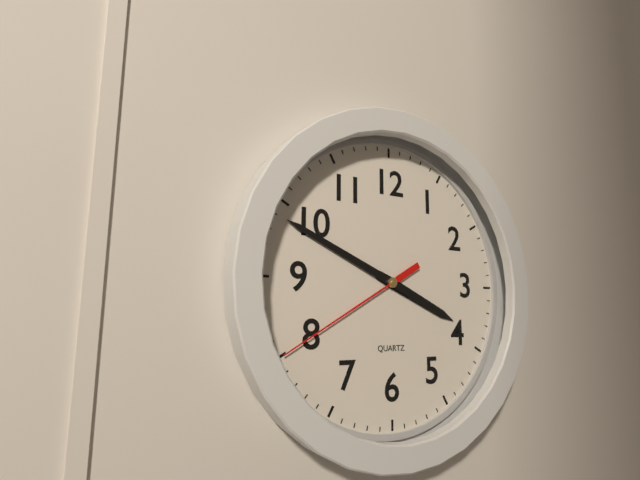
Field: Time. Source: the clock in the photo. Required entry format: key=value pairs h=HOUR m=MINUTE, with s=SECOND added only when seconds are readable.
h=3 m=49 s=40
